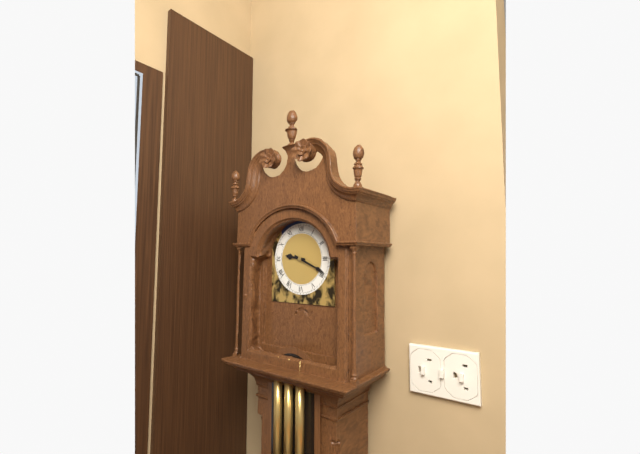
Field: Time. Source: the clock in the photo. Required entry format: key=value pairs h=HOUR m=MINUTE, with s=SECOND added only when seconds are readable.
h=9 m=19
